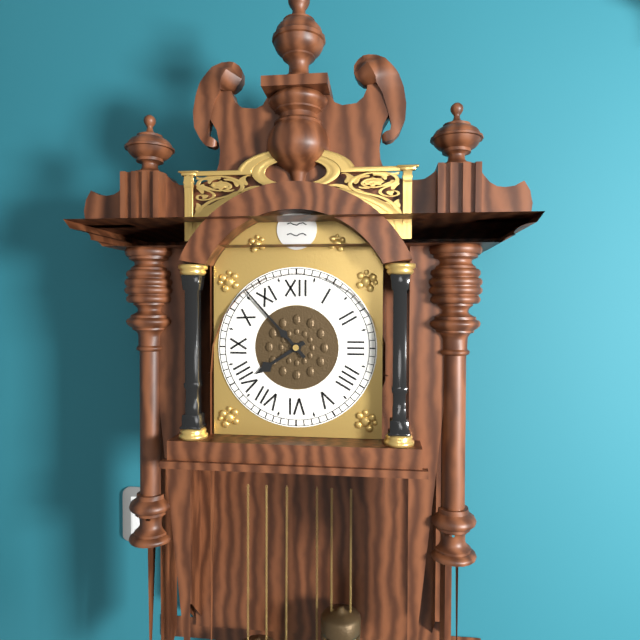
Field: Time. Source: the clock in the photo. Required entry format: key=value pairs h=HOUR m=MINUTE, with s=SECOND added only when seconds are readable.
h=7 m=53
